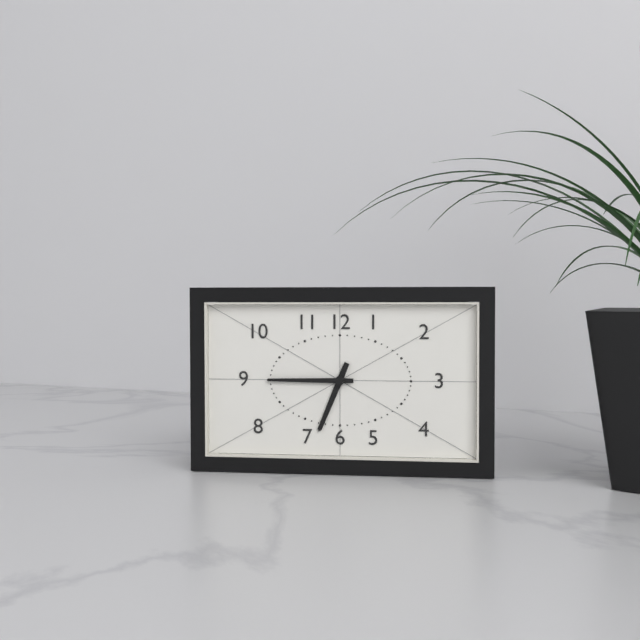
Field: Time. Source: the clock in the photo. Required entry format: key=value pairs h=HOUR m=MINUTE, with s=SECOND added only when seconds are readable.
h=6 m=45
